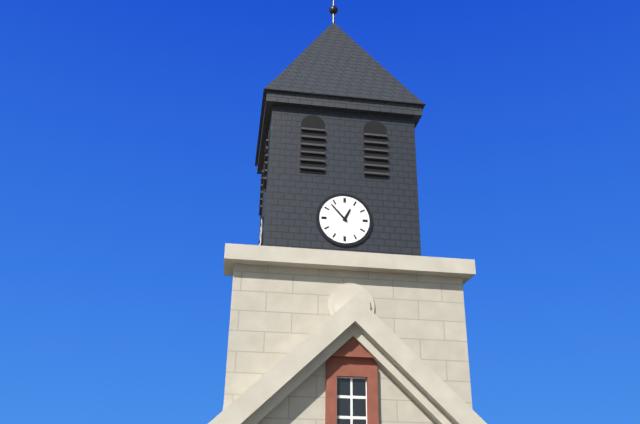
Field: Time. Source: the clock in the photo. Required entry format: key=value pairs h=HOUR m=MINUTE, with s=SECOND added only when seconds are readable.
h=12 m=53
